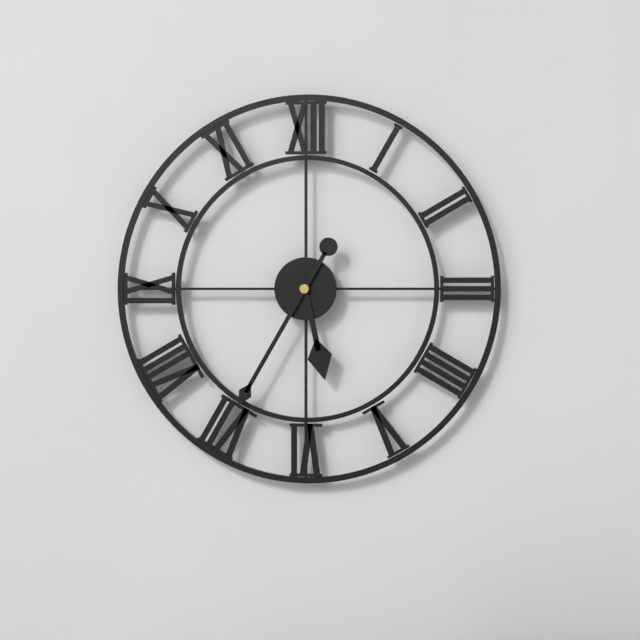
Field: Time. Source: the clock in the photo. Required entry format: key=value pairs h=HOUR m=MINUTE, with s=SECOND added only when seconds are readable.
h=5 m=35
